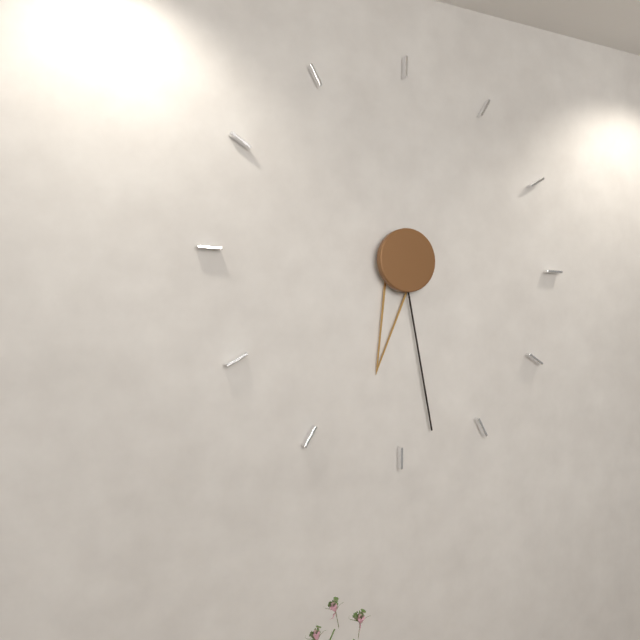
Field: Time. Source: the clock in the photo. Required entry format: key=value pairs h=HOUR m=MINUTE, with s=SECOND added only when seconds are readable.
h=6 m=28
